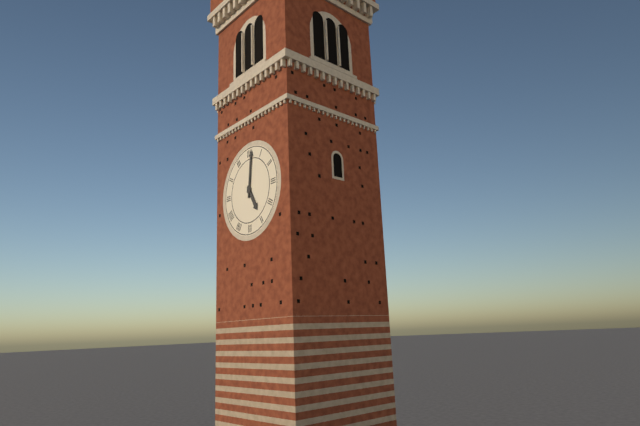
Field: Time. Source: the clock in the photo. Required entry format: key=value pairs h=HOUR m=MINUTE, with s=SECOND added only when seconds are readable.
h=5 m=1
